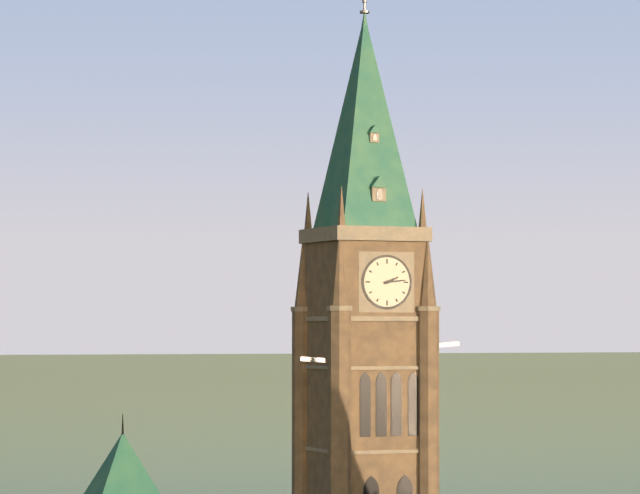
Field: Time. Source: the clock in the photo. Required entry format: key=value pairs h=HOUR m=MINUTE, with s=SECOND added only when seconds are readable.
h=2 m=14
